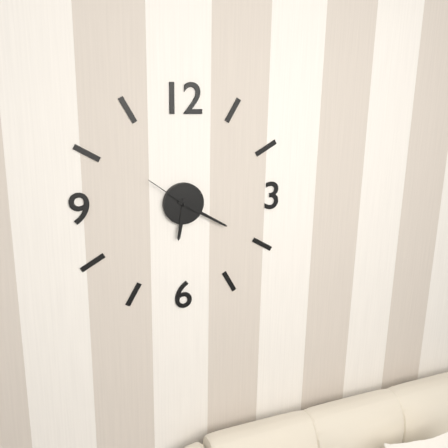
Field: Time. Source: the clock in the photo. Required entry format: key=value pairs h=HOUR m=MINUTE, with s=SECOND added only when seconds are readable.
h=6 m=20 s=51
